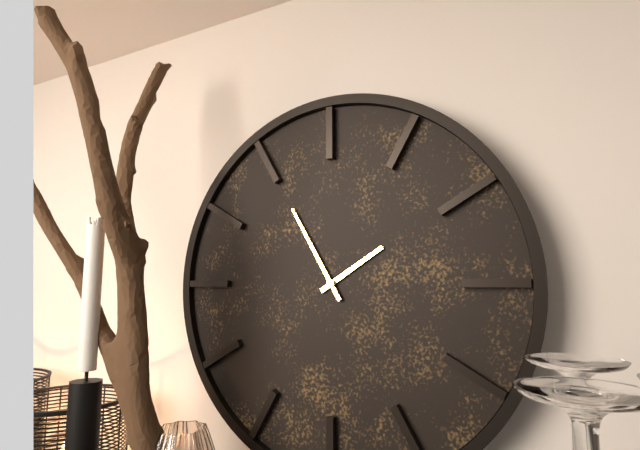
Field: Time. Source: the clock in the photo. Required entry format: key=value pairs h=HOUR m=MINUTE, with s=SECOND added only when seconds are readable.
h=1 m=55
